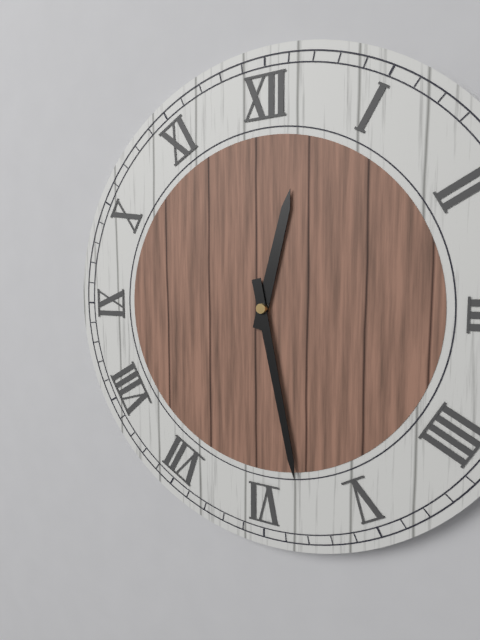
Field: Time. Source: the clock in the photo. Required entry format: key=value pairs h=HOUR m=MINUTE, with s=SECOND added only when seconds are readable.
h=12 m=28
